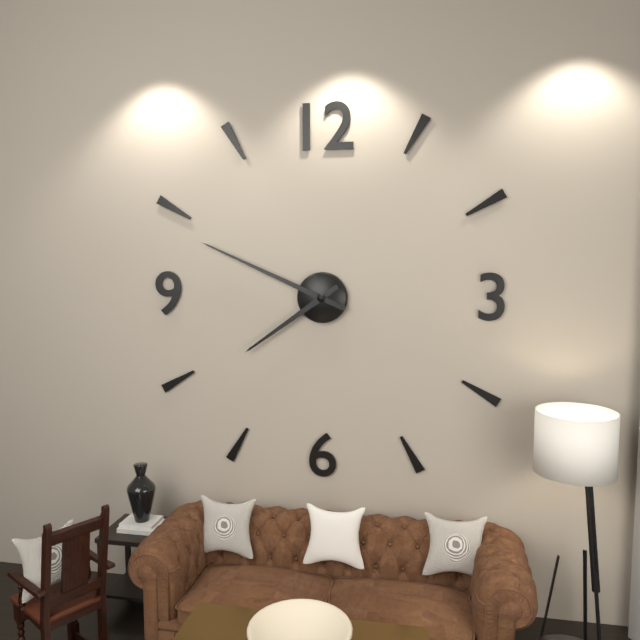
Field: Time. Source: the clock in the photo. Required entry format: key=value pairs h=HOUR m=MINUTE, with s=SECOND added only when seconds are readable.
h=7 m=49
